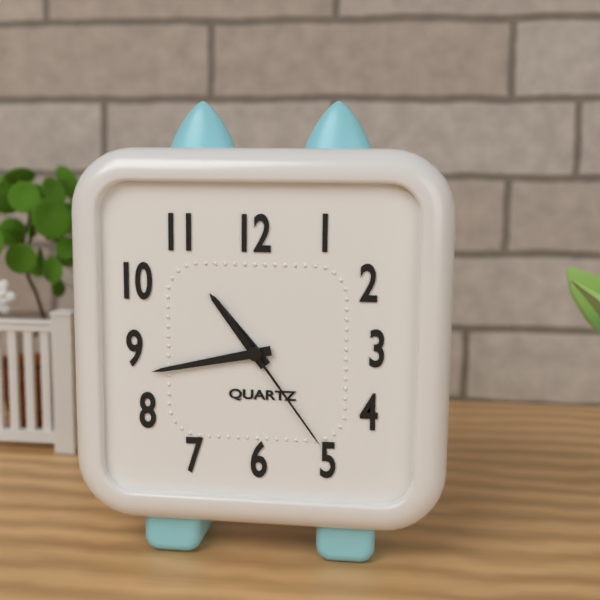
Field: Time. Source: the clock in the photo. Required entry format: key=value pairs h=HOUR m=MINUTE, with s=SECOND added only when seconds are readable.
h=10 m=43 s=24
